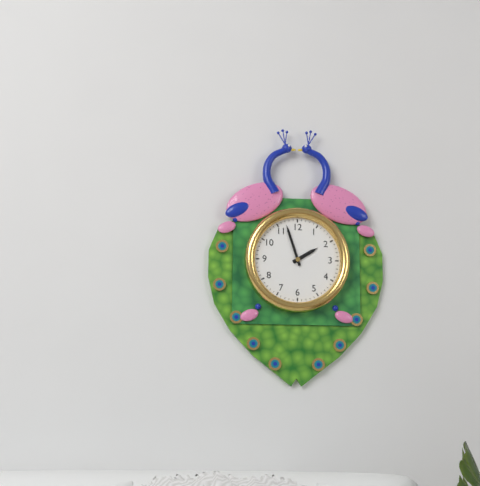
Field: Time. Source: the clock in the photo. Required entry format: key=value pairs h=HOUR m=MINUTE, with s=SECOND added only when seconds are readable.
h=1 m=57
